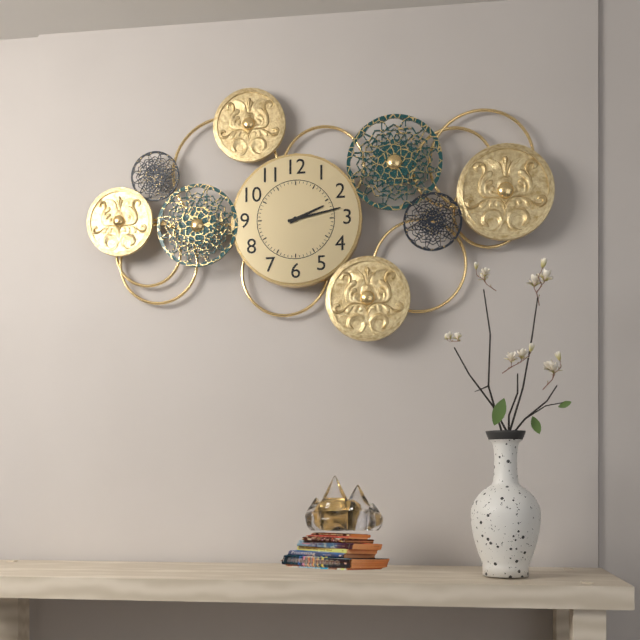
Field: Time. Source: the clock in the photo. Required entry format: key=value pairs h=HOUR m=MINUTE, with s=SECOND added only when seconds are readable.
h=2 m=13
